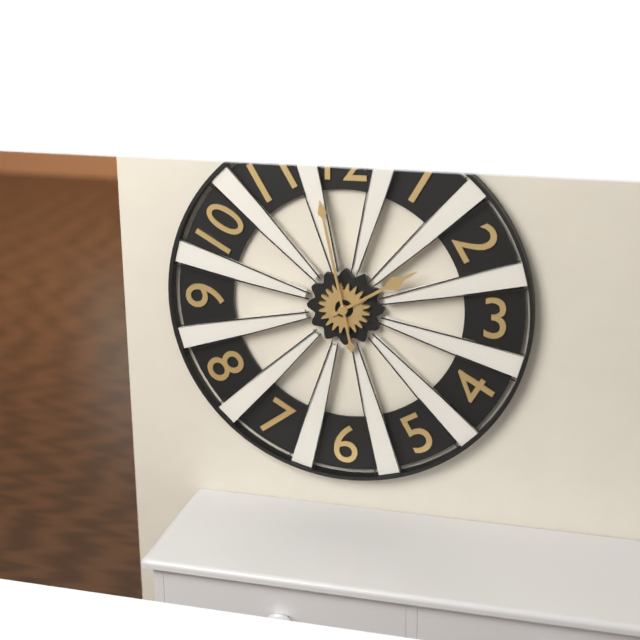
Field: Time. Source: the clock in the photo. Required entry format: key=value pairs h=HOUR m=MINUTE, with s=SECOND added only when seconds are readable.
h=1 m=58
